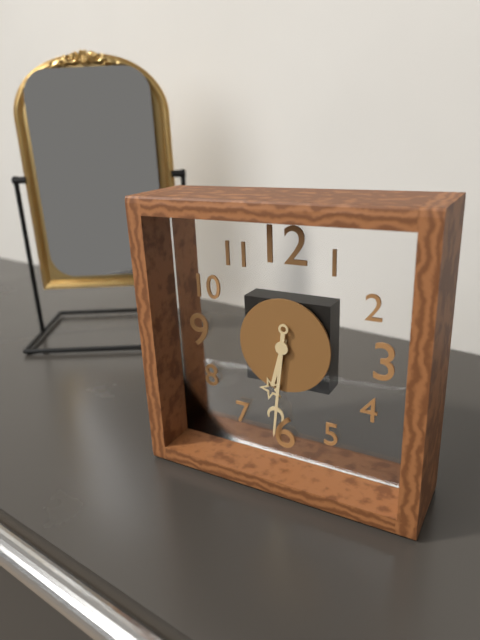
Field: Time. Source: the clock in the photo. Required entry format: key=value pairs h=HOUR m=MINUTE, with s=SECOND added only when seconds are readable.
h=6 m=31
